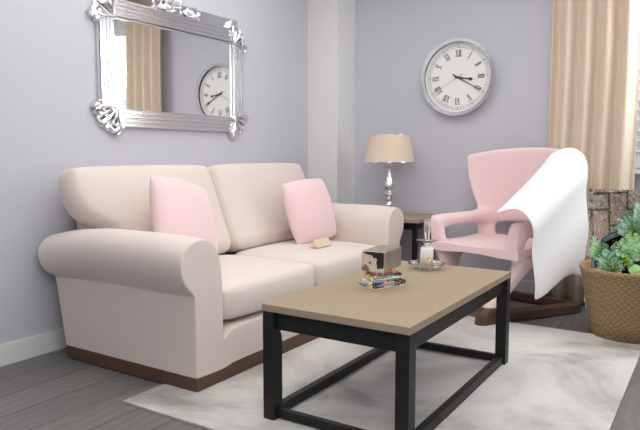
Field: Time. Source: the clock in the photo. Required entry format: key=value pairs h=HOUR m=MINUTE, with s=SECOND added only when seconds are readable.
h=3 m=20
